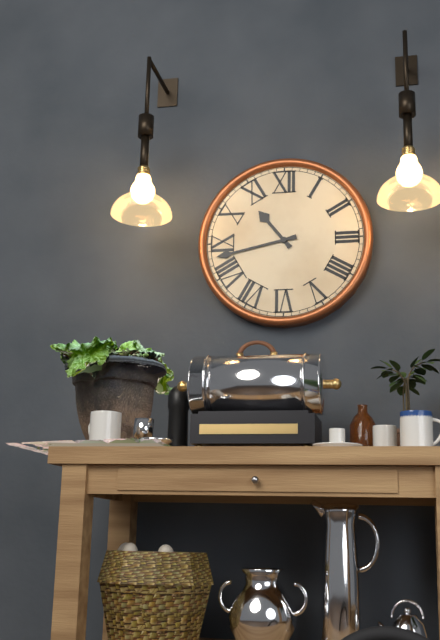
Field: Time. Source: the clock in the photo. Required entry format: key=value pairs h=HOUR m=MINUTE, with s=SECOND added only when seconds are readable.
h=10 m=43
